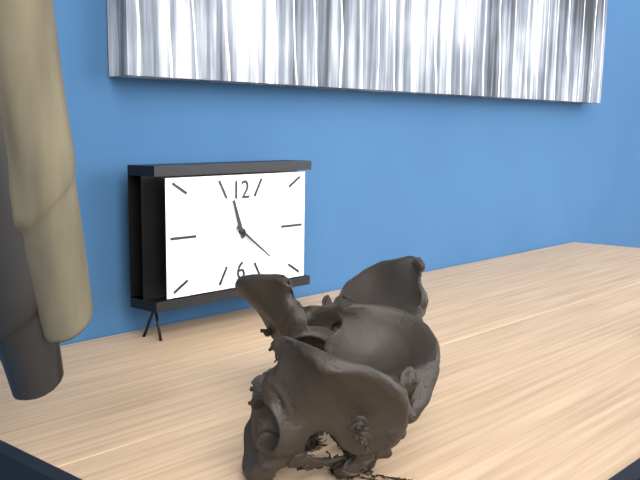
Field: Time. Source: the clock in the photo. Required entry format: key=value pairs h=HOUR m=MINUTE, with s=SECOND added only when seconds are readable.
h=11 m=21
